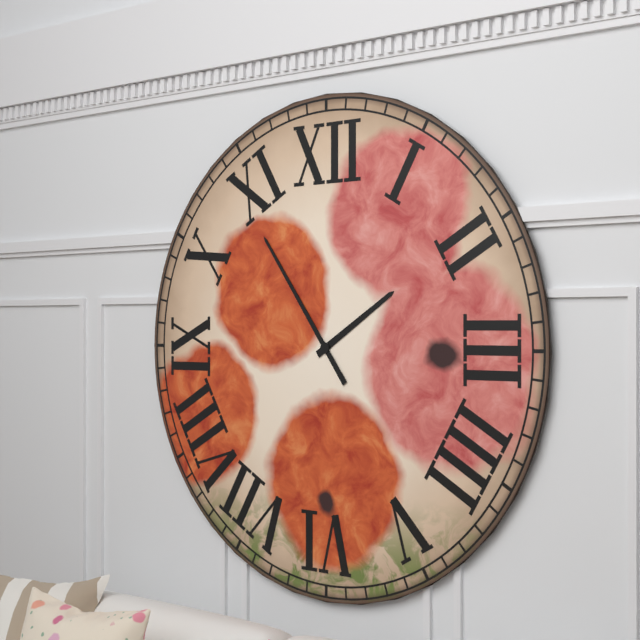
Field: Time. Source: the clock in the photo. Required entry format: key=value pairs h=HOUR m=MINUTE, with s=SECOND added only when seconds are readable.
h=1 m=54
